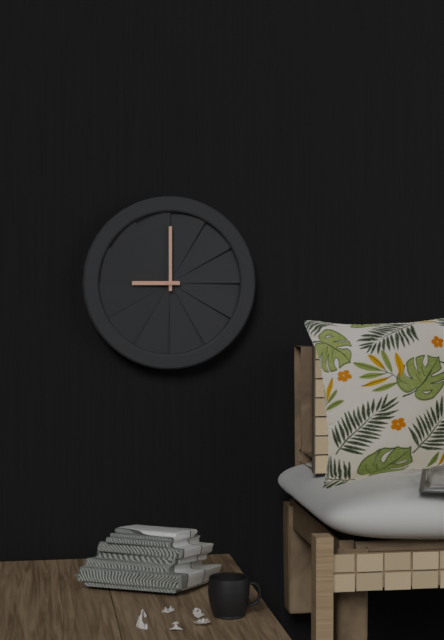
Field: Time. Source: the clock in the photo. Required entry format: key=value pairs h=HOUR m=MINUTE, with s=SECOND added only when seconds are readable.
h=9 m=0
